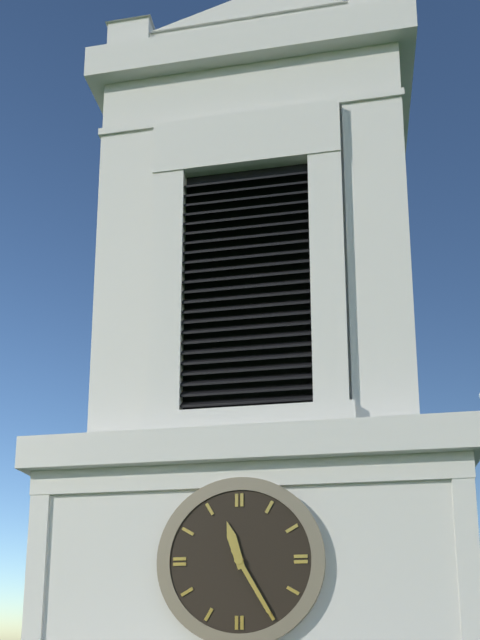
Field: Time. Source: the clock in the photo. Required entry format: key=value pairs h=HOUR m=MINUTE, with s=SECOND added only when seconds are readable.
h=11 m=25
